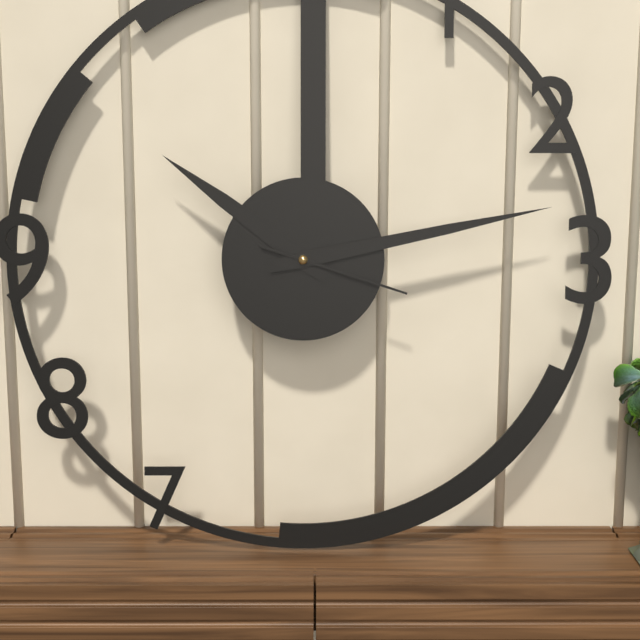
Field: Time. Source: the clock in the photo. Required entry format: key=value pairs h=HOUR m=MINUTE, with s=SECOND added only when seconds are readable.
h=10 m=13 s=18
